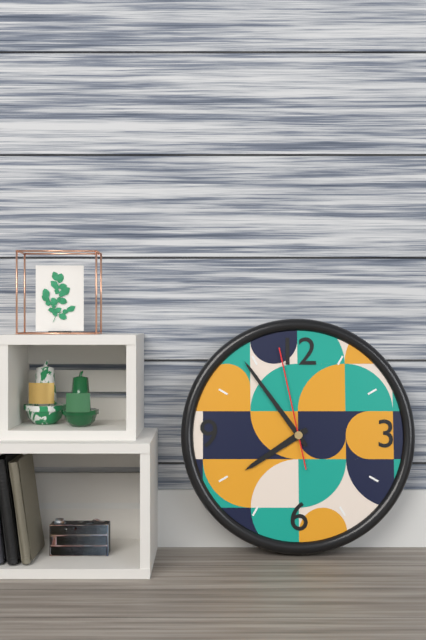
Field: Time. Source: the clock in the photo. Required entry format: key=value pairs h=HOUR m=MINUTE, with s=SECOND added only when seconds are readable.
h=7 m=54 s=58
